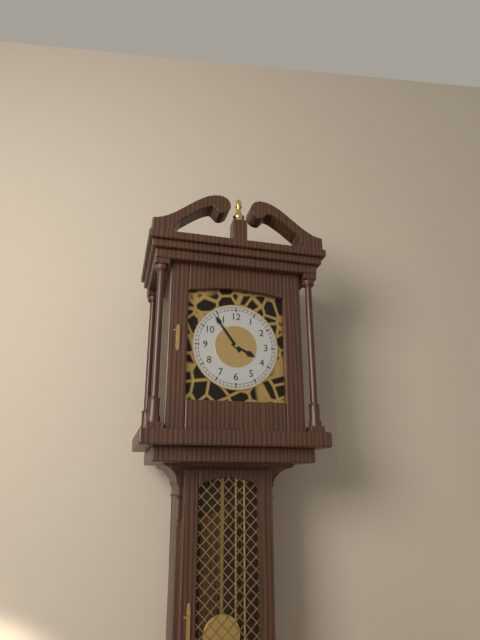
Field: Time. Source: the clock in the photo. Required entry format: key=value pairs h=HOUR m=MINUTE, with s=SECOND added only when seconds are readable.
h=3 m=54
